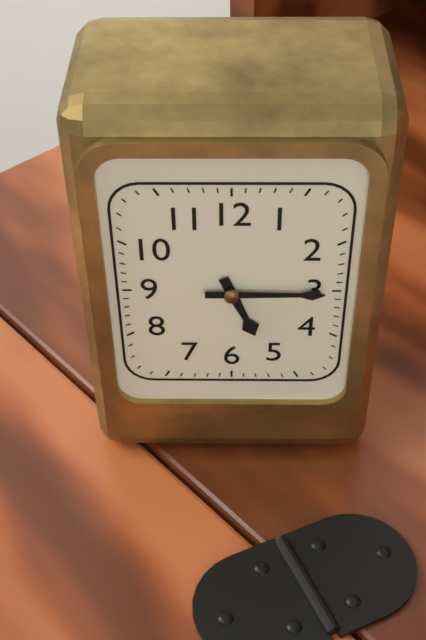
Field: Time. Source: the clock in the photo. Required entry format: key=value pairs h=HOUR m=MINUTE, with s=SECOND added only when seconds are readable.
h=5 m=15
